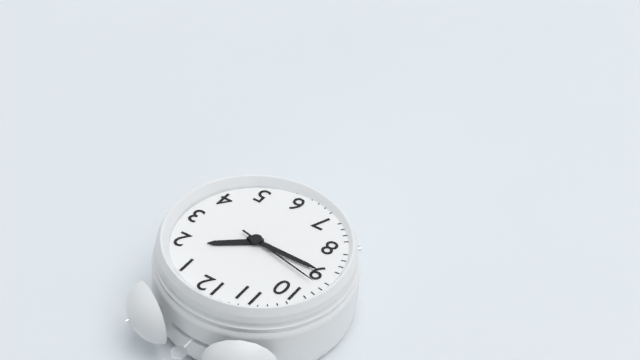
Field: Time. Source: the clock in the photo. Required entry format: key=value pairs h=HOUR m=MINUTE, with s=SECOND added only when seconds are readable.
h=1 m=45 s=47
